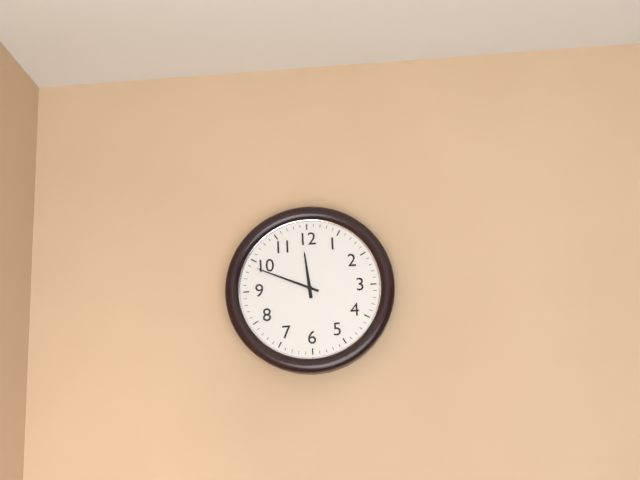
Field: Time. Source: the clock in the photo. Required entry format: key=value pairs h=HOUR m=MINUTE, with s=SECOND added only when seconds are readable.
h=11 m=49
